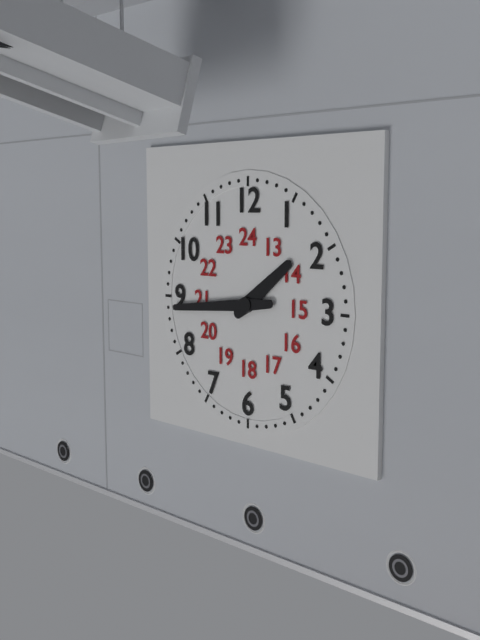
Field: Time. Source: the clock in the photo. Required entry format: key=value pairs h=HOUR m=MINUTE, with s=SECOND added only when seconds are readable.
h=1 m=44
